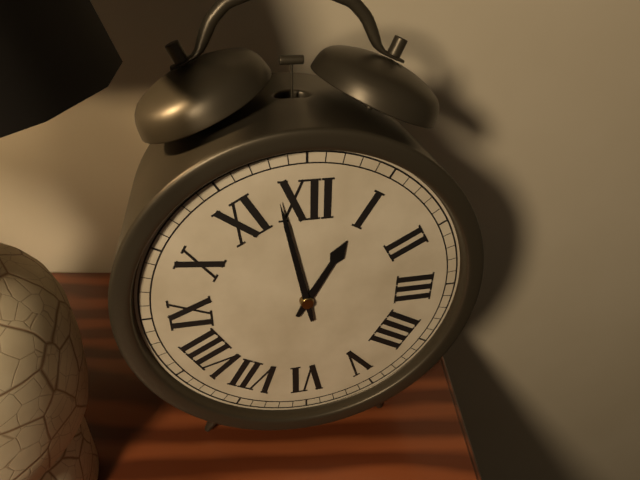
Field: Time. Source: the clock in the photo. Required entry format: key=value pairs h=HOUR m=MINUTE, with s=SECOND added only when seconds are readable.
h=12 m=58
